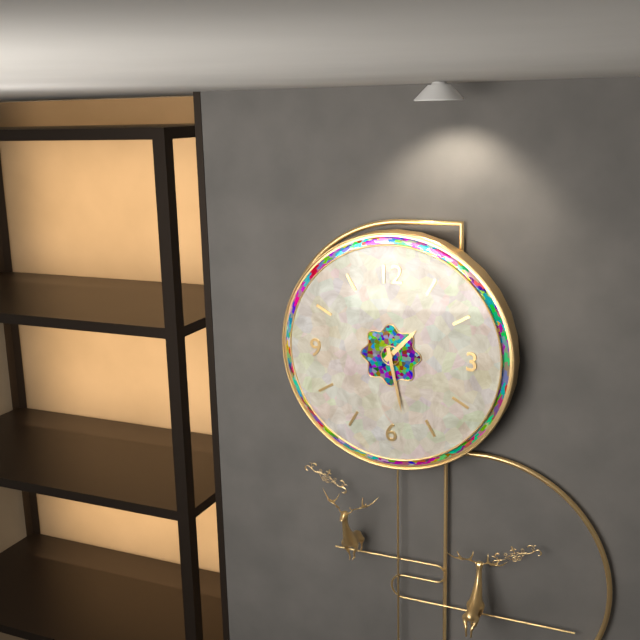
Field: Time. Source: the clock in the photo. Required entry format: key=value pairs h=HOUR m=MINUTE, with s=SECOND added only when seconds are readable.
h=1 m=28
